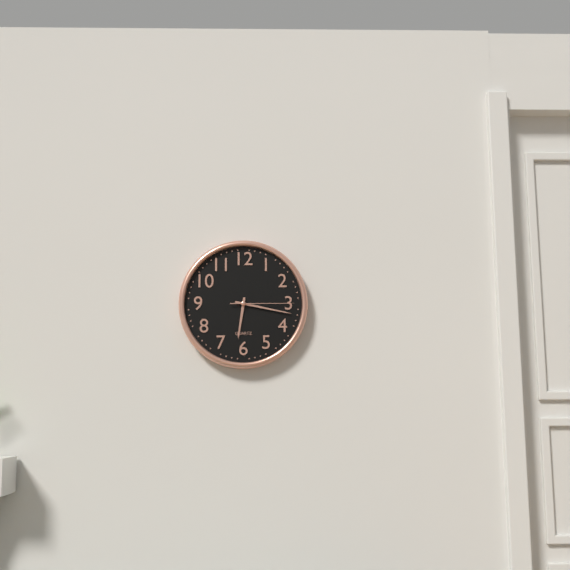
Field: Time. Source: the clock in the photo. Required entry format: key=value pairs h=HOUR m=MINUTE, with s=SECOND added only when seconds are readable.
h=6 m=17 s=15
